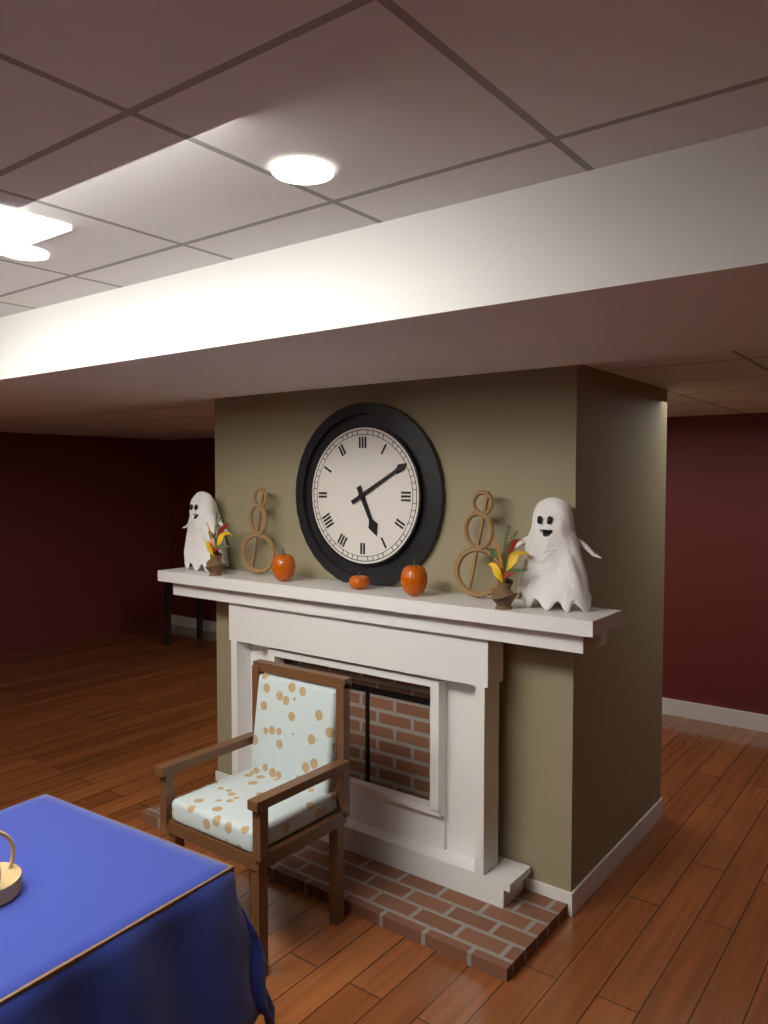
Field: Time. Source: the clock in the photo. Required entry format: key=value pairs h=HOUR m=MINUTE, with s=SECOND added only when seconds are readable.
h=5 m=10
